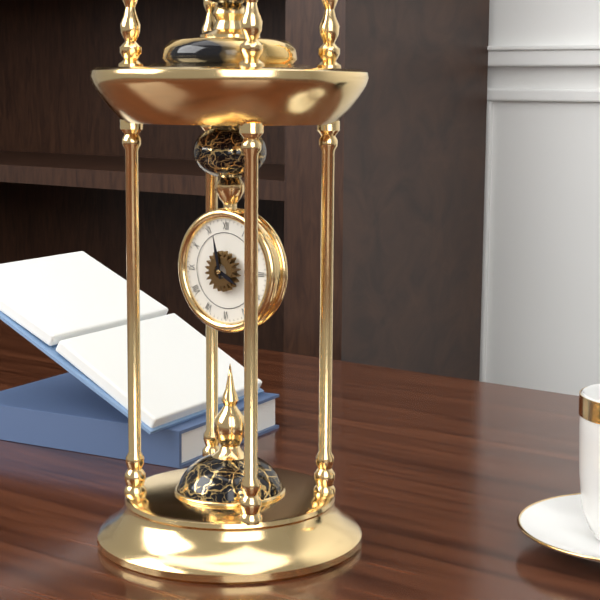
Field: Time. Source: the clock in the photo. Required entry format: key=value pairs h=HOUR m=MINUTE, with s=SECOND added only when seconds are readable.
h=3 m=58
